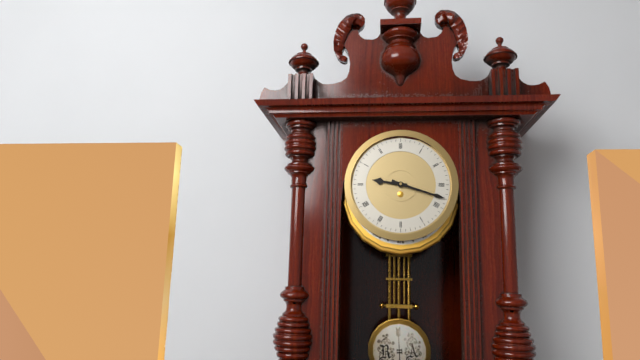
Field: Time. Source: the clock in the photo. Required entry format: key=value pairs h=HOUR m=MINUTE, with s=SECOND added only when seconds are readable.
h=9 m=18
